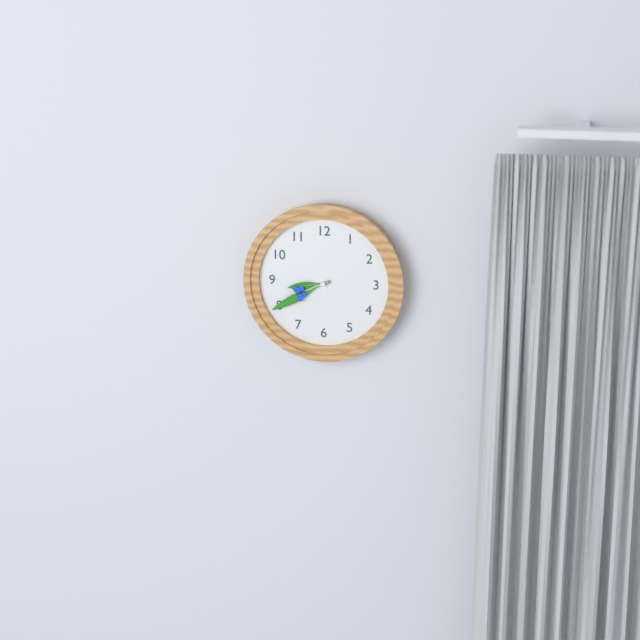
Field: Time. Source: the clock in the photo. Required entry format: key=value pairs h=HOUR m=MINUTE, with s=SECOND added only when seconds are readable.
h=8 m=40
